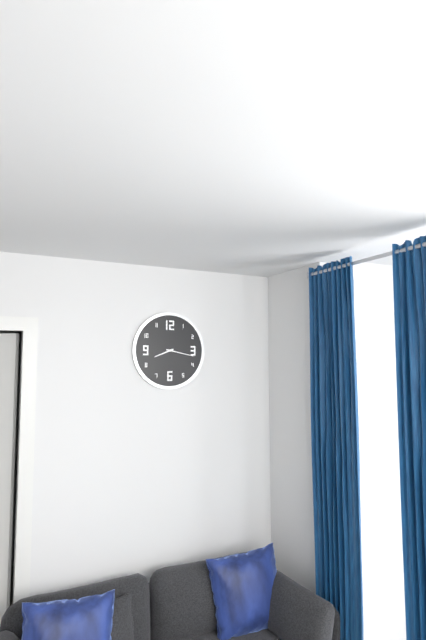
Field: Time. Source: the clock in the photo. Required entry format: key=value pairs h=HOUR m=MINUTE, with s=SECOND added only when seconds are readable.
h=8 m=17
